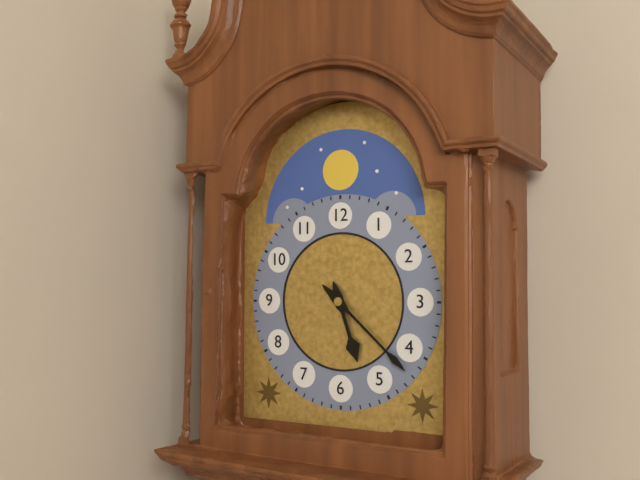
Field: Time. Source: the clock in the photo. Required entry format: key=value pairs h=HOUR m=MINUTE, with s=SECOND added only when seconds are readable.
h=5 m=22
